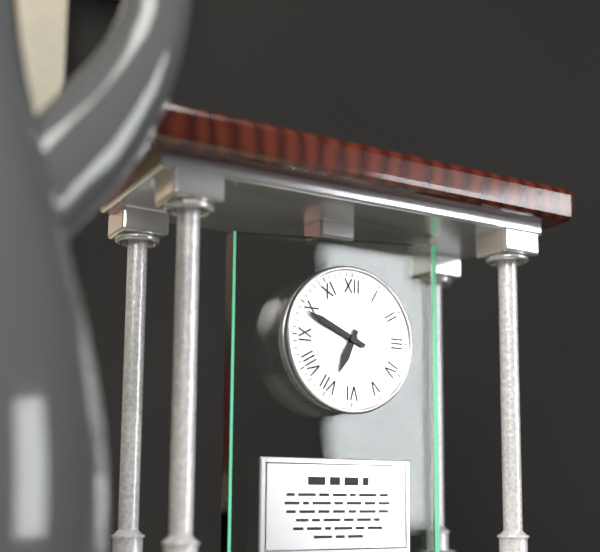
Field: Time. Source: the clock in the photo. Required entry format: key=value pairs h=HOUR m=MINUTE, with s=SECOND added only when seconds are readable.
h=6 m=49
